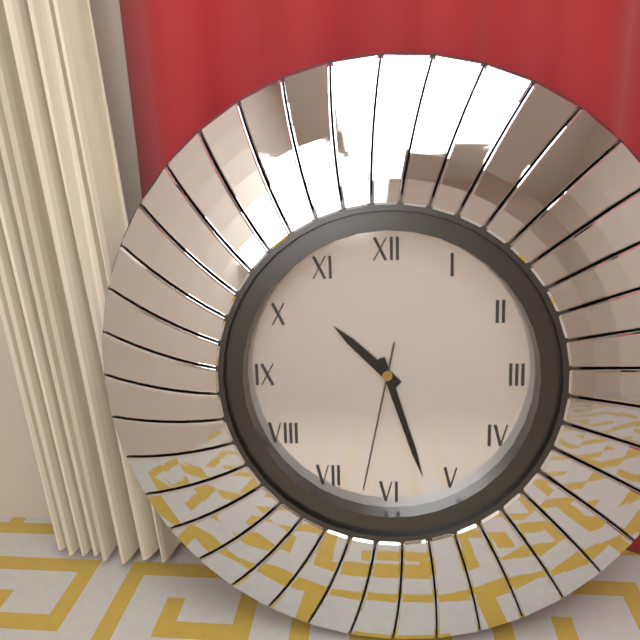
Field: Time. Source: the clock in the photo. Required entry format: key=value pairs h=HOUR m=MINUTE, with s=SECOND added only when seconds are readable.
h=10 m=27 s=32
